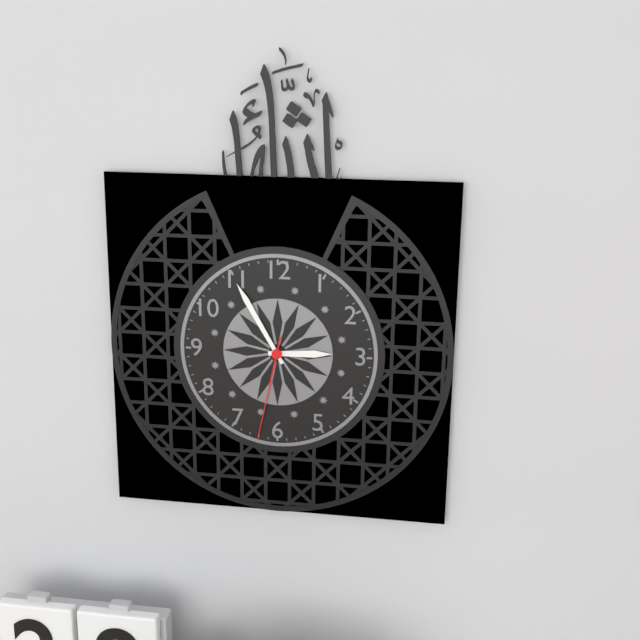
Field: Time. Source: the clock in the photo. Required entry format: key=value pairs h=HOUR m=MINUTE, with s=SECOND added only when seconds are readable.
h=2 m=55 s=32
